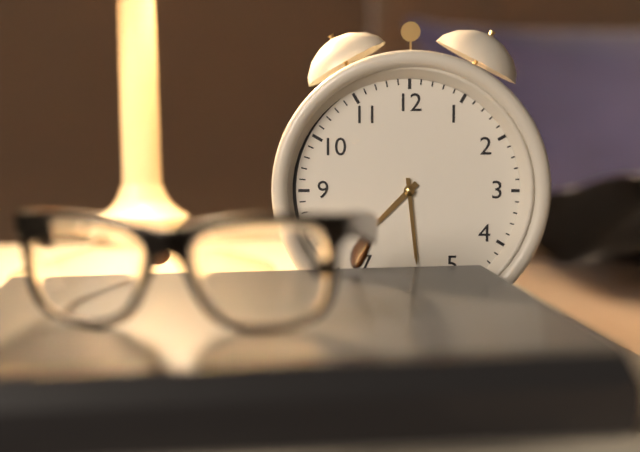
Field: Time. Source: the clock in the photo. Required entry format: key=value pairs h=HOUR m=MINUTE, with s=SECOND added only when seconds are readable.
h=7 m=29
